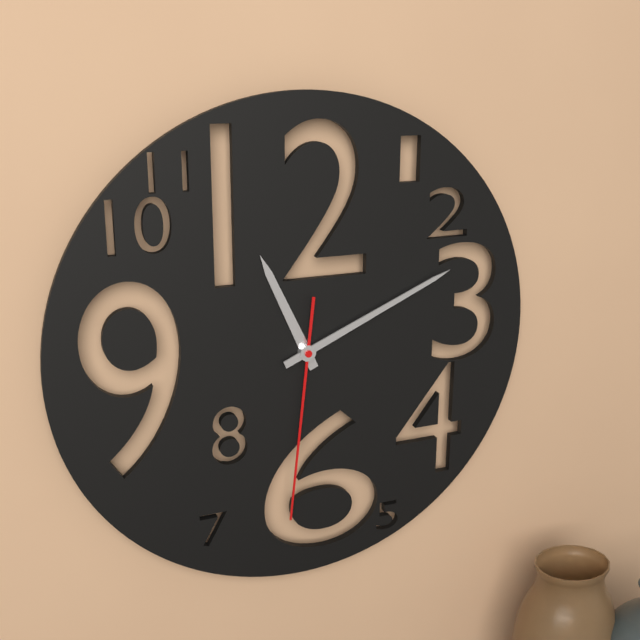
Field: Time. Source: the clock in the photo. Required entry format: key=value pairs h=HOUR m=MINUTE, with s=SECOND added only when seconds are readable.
h=11 m=11 s=31
